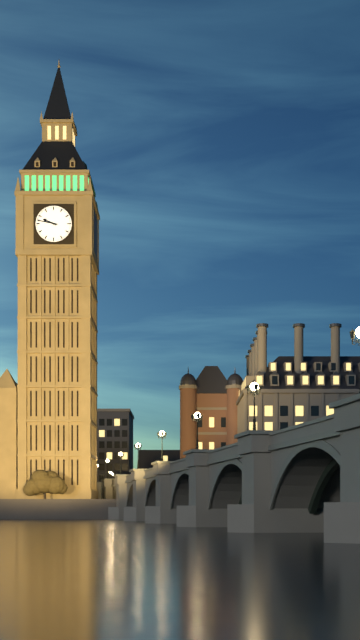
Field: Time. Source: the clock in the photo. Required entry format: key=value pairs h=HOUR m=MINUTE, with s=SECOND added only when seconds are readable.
h=9 m=47
